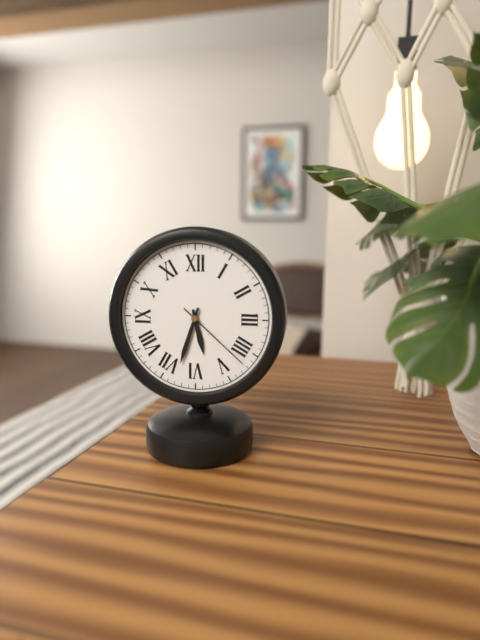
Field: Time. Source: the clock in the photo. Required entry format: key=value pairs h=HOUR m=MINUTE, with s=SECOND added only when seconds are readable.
h=5 m=33 s=22
